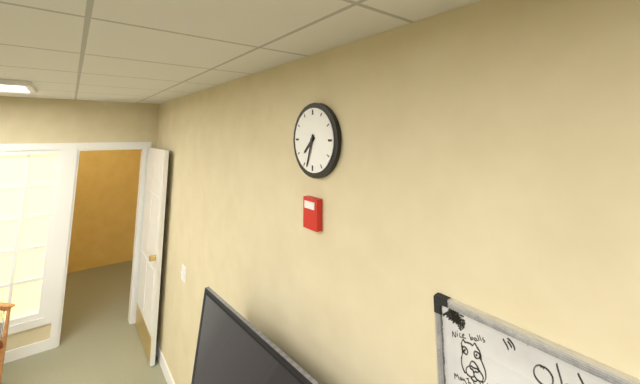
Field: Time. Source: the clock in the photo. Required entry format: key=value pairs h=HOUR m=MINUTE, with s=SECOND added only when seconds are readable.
h=7 m=33
